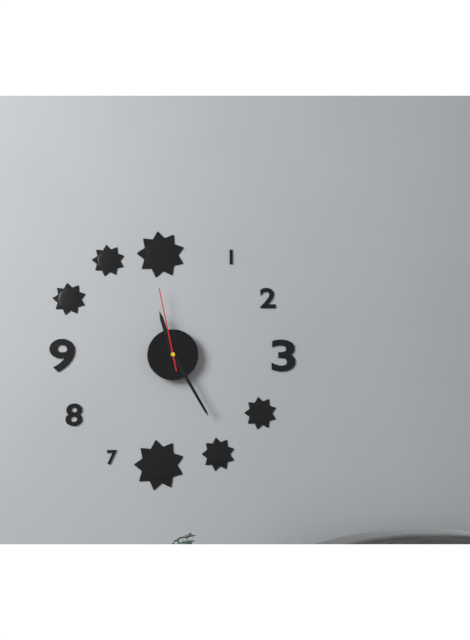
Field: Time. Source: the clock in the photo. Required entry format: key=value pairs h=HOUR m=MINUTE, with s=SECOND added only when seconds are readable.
h=11 m=25 s=58
